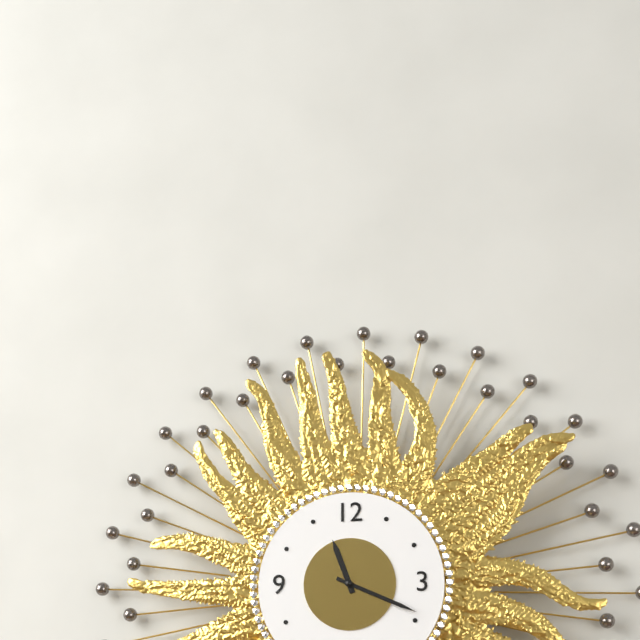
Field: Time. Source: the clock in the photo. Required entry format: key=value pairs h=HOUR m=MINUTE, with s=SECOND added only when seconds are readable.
h=11 m=19
